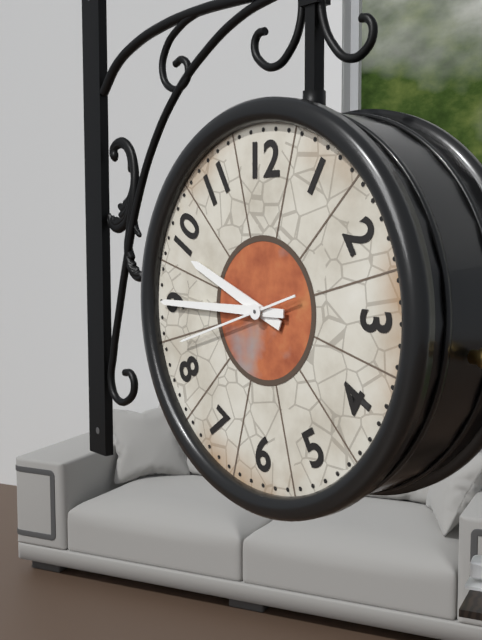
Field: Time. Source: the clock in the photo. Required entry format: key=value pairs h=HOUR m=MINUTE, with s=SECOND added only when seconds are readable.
h=9 m=45 s=42
